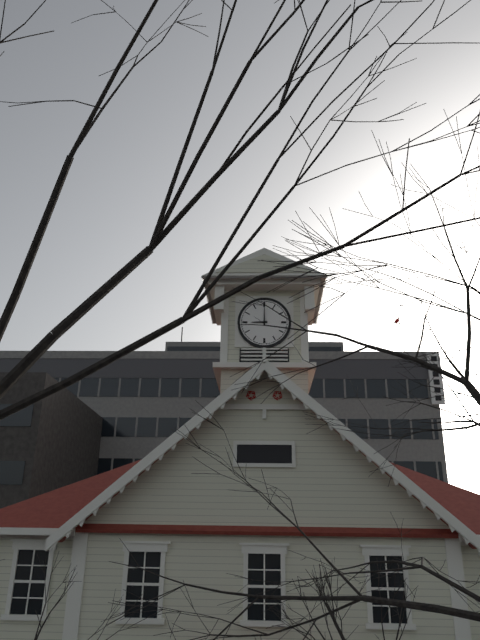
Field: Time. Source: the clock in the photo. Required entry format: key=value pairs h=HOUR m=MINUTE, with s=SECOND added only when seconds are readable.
h=9 m=0
